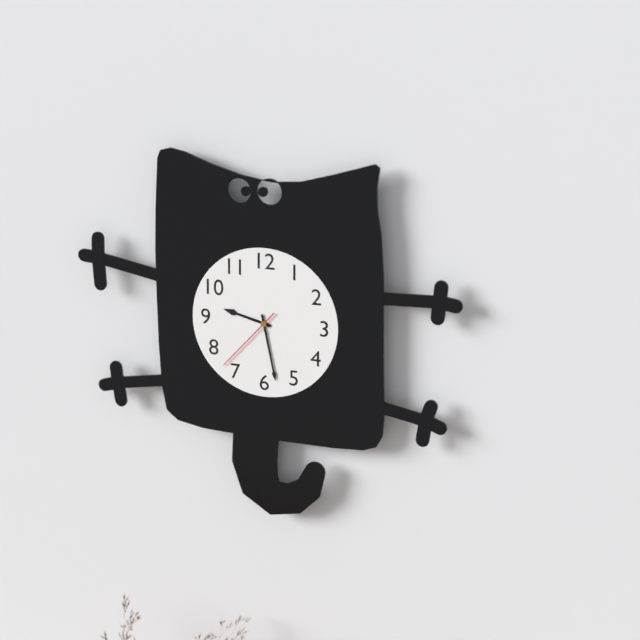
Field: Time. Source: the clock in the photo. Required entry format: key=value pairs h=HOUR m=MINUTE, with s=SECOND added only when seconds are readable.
h=9 m=28 s=37
